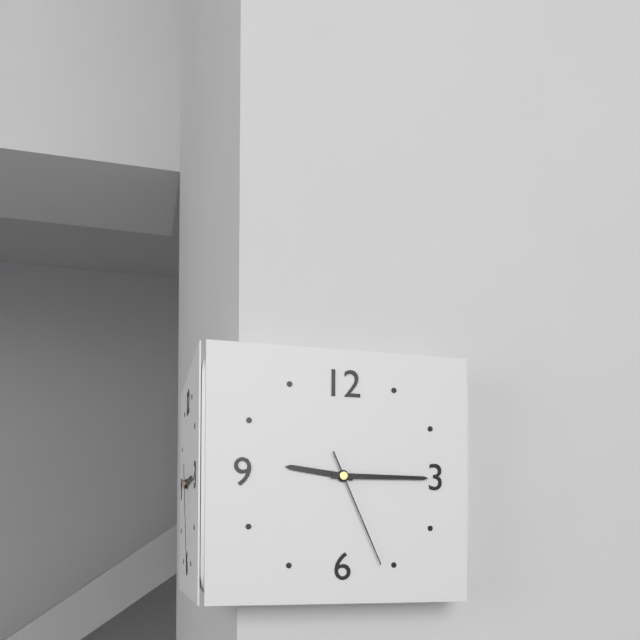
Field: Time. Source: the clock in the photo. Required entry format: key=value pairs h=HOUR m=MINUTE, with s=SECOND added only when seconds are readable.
h=9 m=15 s=26
